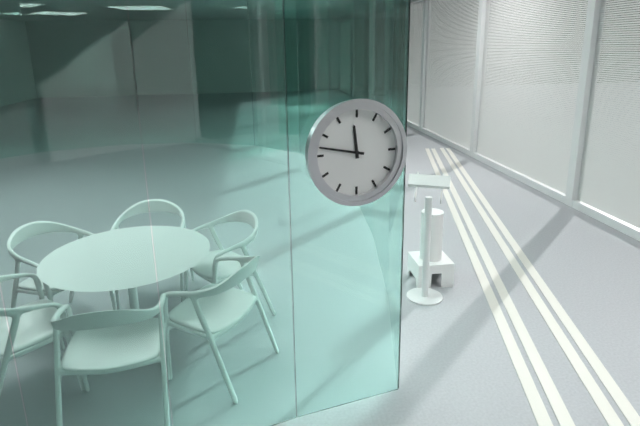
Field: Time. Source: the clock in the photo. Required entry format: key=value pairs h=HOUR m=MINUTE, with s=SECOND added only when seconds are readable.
h=11 m=47
